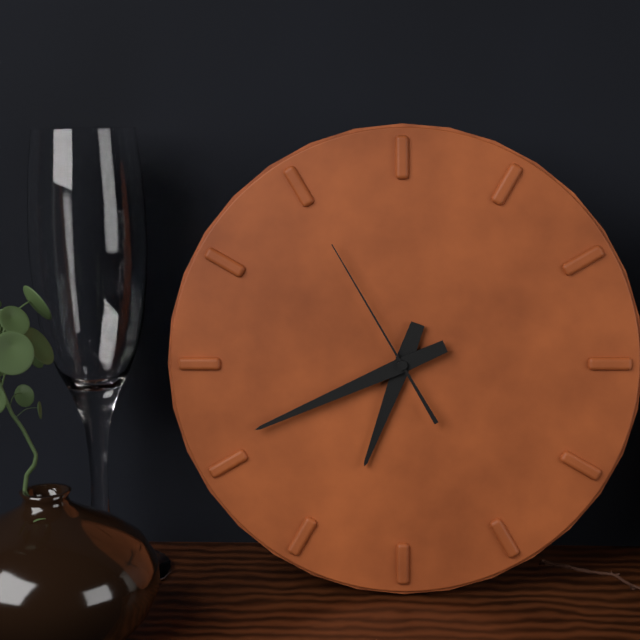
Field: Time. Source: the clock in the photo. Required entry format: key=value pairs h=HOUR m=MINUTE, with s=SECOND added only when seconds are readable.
h=6 m=41 s=55
